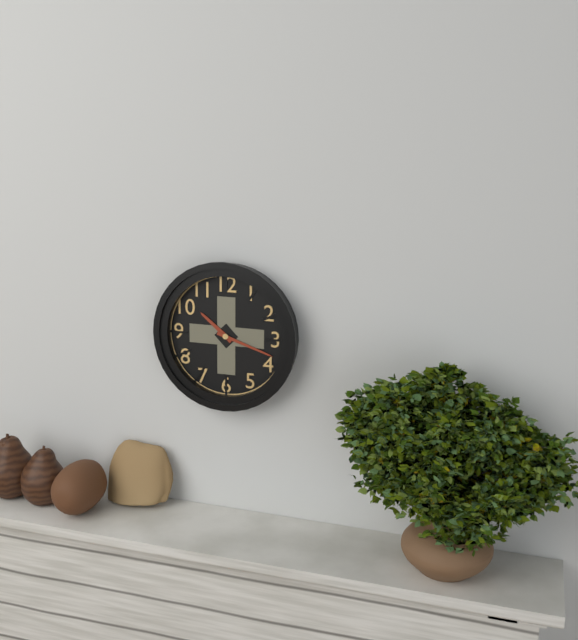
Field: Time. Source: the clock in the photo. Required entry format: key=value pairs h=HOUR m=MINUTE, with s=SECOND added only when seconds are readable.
h=10 m=18
